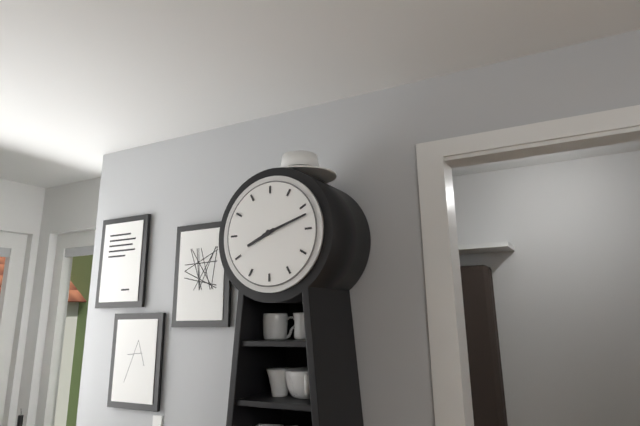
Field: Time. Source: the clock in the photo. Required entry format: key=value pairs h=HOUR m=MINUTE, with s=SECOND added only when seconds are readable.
h=8 m=12
